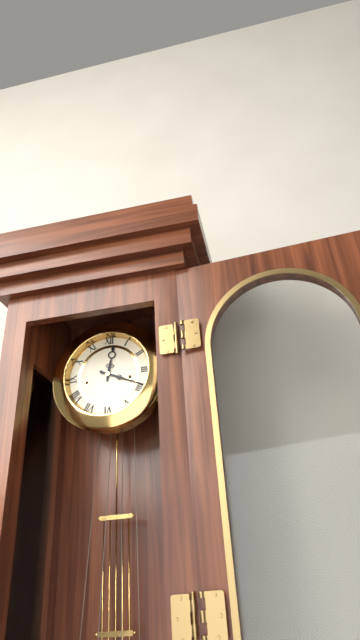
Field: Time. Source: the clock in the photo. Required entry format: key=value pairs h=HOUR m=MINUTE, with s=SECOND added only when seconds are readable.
h=12 m=19
